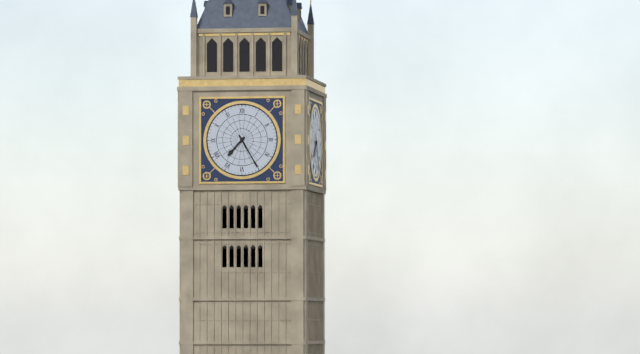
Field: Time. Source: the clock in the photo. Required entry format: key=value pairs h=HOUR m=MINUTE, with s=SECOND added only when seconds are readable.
h=7 m=25
